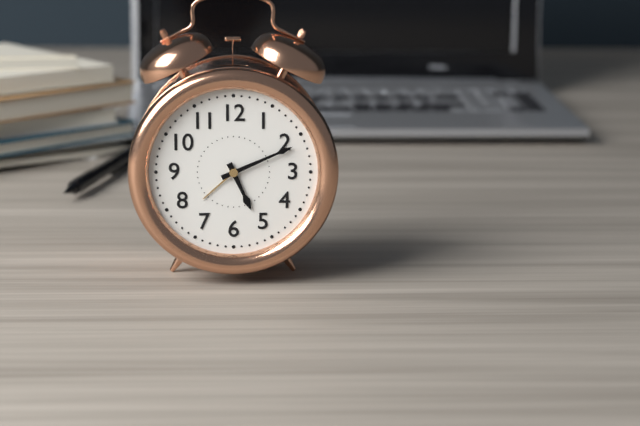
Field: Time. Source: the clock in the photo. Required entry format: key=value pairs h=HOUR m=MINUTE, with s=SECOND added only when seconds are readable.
h=5 m=11
